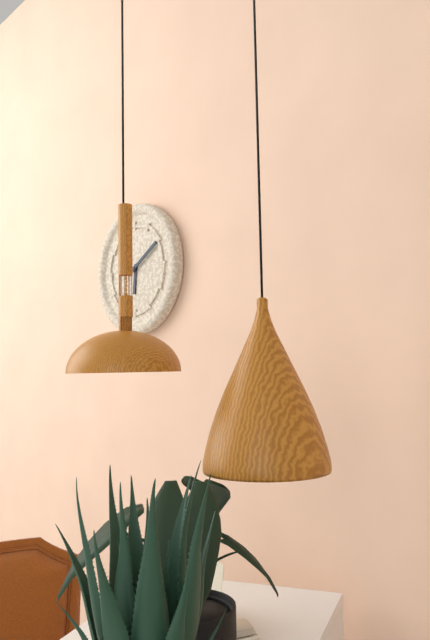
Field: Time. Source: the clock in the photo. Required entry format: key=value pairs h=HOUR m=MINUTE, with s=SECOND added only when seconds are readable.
h=6 m=10
